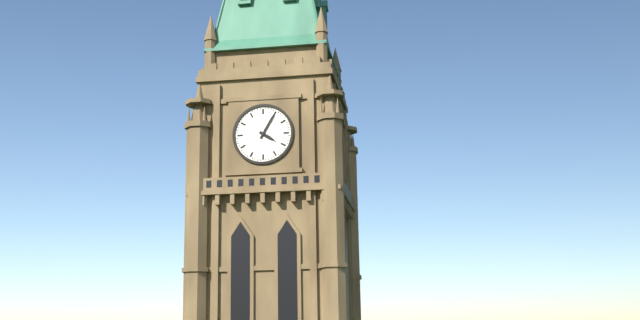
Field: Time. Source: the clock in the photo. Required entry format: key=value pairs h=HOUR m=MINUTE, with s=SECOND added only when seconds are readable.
h=4 m=5
